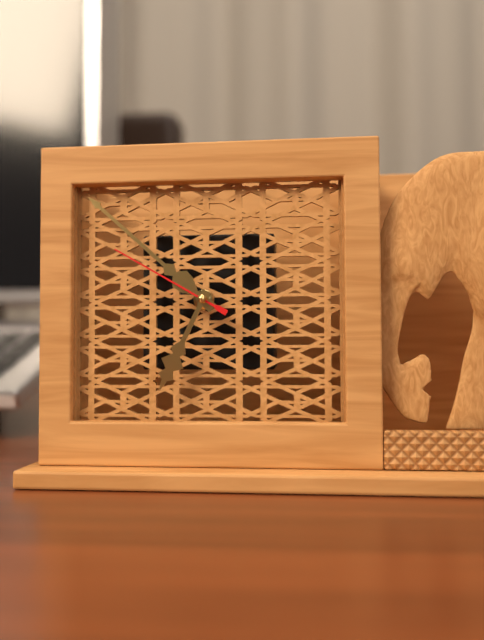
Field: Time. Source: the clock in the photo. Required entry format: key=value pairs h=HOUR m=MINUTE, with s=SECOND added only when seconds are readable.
h=6 m=52 s=50
